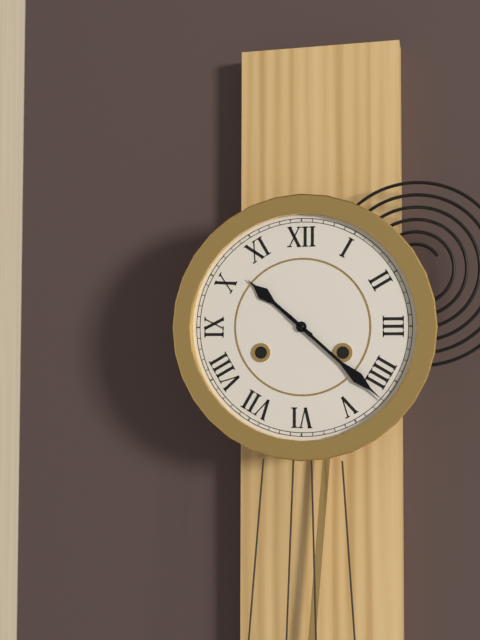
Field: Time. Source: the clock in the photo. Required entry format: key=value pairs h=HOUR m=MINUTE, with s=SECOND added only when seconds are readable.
h=10 m=22
